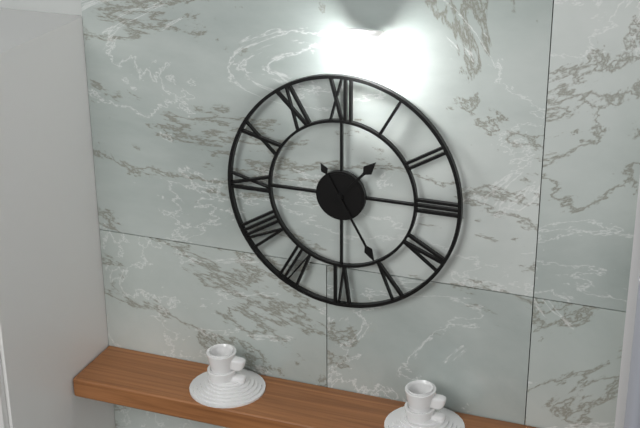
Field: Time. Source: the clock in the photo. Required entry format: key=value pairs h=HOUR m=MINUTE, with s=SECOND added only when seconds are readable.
h=1 m=25
